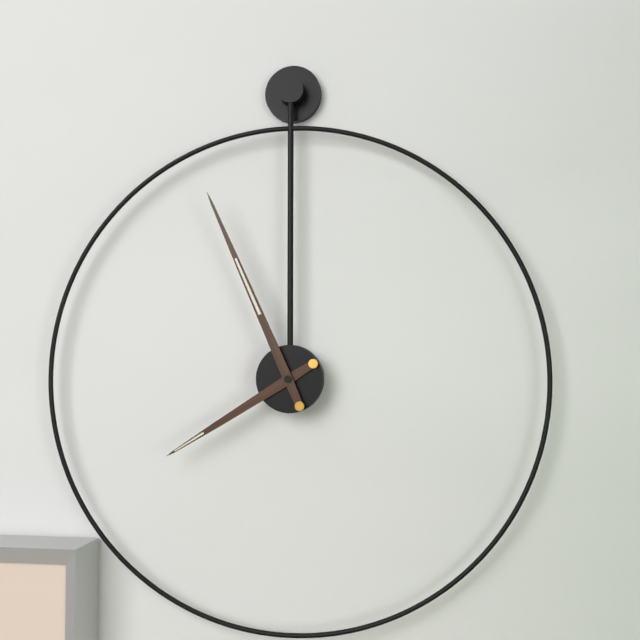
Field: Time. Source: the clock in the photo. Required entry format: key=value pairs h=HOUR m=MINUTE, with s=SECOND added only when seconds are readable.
h=7 m=56
